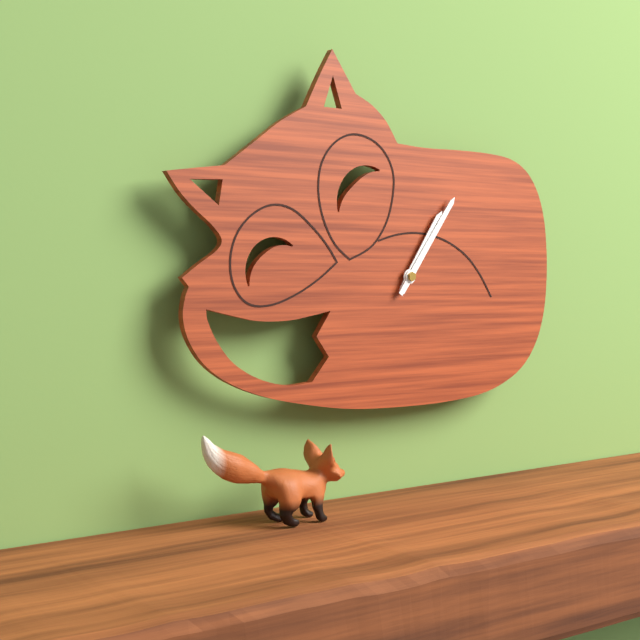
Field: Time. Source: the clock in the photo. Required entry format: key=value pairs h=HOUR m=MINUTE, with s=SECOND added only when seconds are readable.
h=1 m=6
